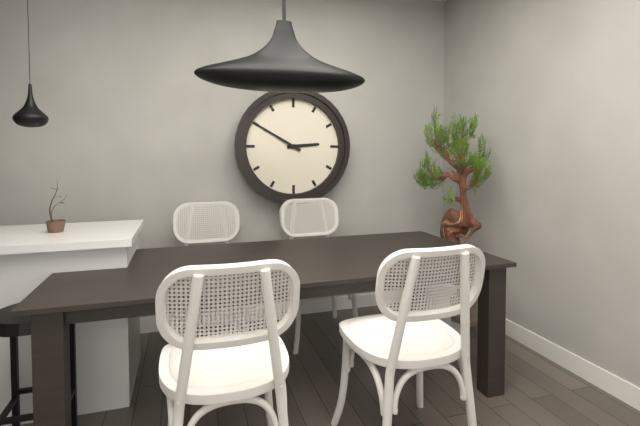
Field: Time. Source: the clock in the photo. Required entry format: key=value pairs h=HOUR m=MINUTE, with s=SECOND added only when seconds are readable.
h=2 m=50
